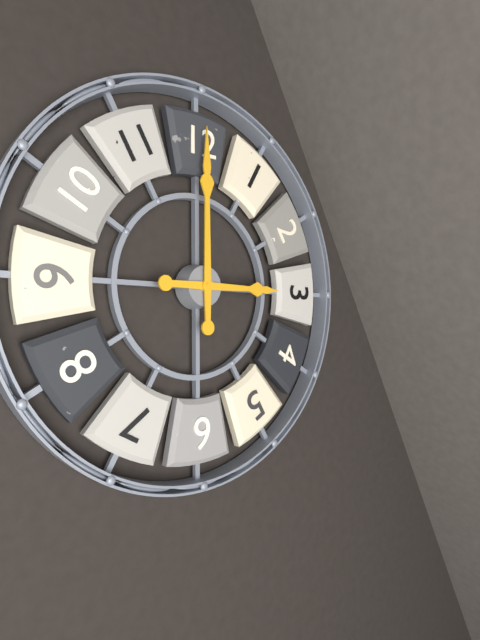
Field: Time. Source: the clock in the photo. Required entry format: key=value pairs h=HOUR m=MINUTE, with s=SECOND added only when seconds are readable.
h=3 m=0
